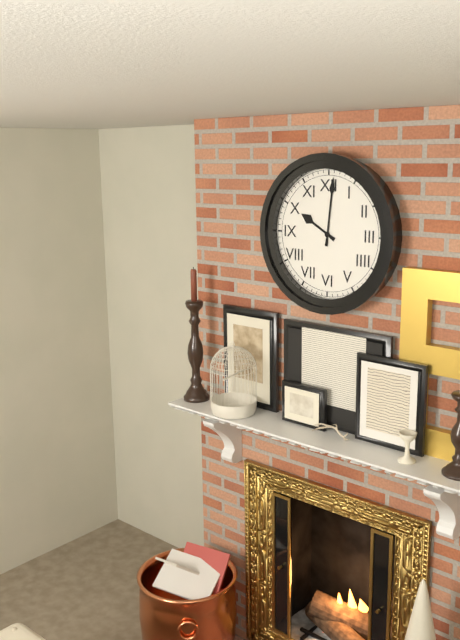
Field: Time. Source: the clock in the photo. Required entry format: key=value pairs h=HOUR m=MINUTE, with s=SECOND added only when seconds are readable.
h=10 m=1
